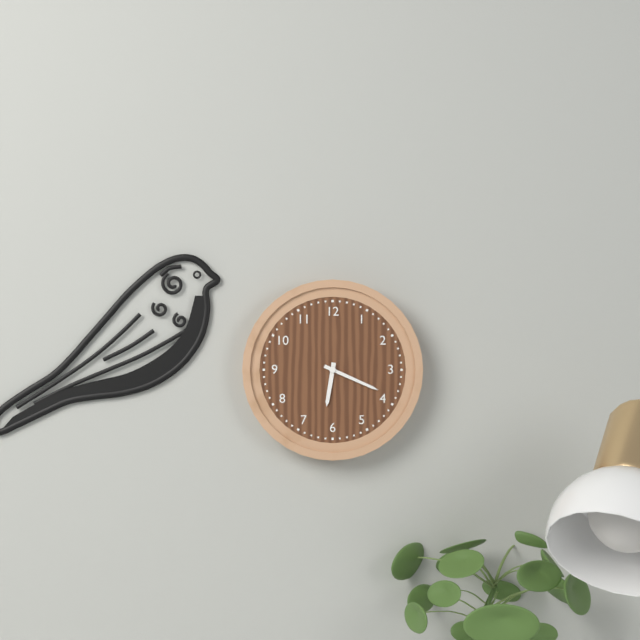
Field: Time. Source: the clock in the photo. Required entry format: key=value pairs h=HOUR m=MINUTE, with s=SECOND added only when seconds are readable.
h=6 m=19
